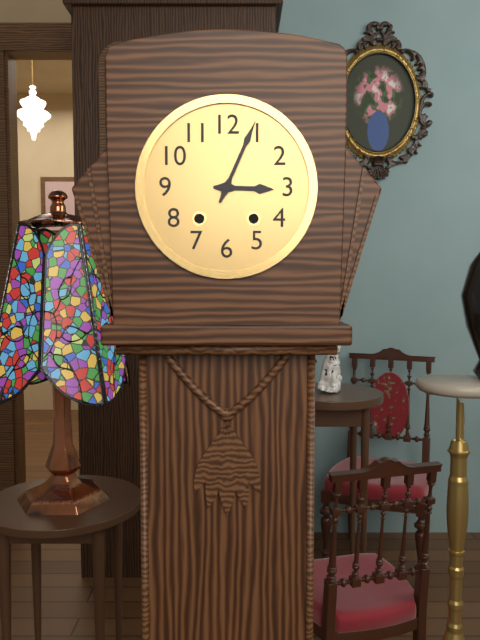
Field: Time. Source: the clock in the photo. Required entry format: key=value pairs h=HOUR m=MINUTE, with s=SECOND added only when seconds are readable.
h=3 m=4
